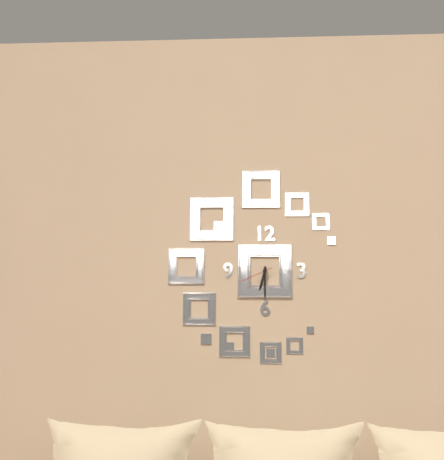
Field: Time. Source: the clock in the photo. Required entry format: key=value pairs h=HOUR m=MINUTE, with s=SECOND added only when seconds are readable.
h=6 m=30
